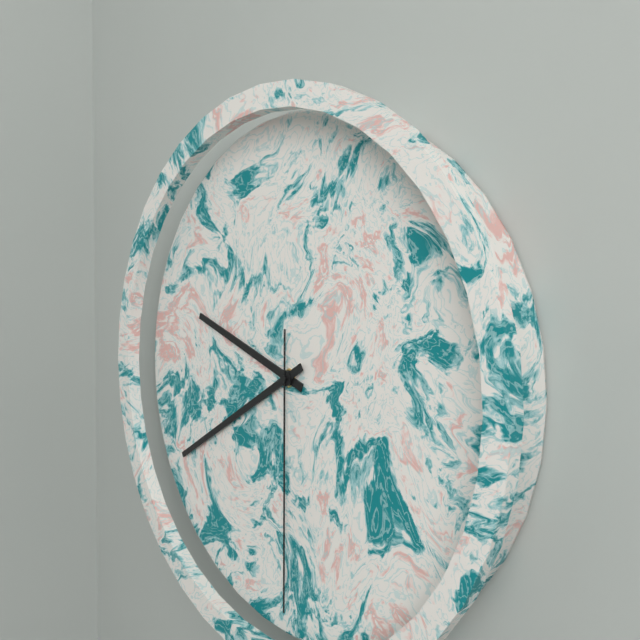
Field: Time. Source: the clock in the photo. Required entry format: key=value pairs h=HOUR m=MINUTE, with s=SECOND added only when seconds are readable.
h=9 m=40 s=30
